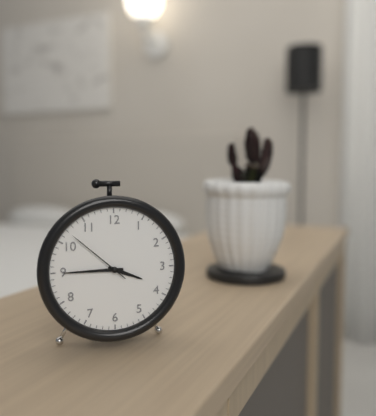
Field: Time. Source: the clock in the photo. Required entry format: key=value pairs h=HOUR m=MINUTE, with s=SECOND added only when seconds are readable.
h=3 m=45 s=52
